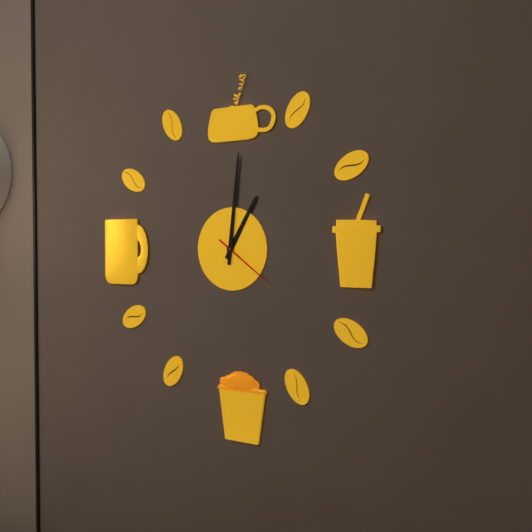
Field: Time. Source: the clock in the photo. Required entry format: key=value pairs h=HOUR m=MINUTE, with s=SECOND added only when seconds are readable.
h=1 m=1 s=21
